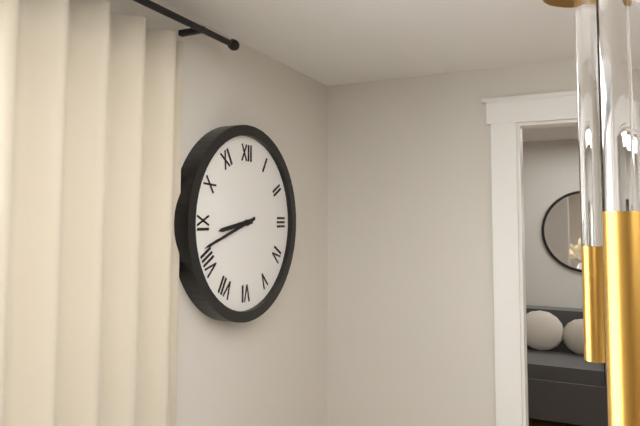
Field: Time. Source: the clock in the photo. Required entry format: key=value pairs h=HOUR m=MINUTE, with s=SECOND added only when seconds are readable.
h=8 m=42
